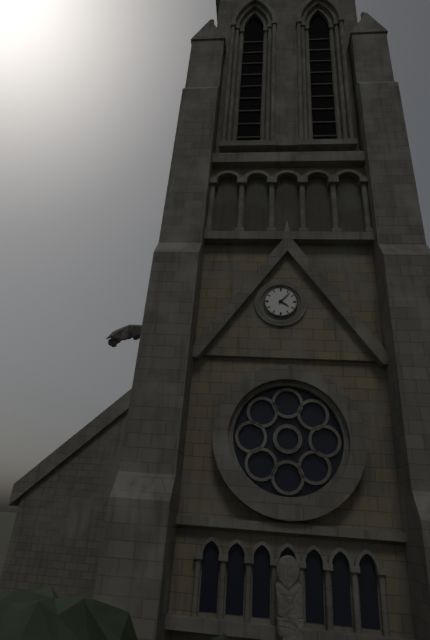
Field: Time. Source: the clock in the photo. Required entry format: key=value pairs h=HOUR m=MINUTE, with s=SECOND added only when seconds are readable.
h=4 m=7
